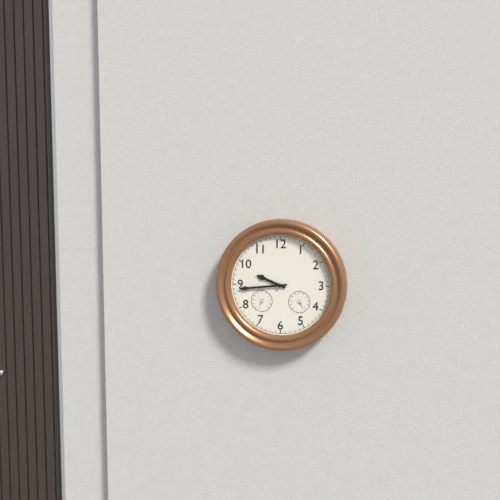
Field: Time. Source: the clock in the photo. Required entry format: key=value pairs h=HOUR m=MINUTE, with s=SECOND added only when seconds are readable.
h=9 m=44
